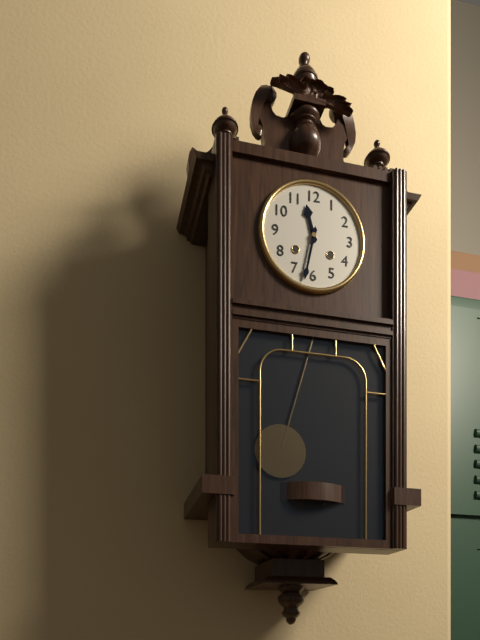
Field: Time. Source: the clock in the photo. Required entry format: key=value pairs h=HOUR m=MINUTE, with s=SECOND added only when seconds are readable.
h=11 m=32
